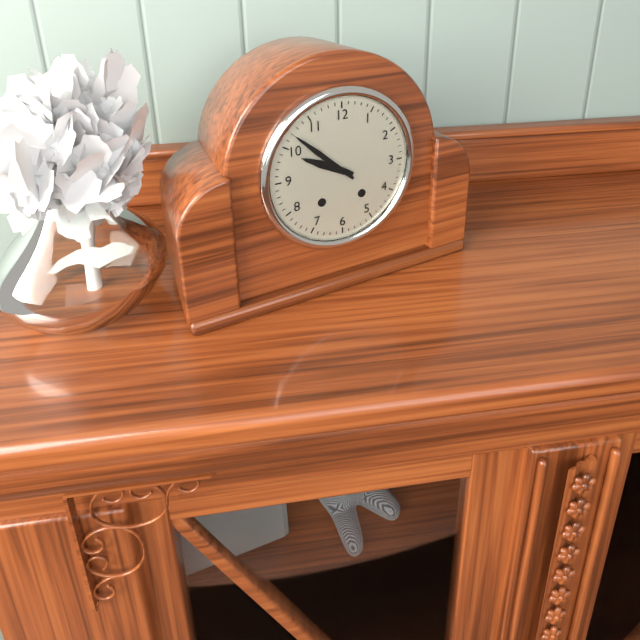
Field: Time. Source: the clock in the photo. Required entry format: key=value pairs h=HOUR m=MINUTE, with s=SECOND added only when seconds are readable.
h=9 m=52
